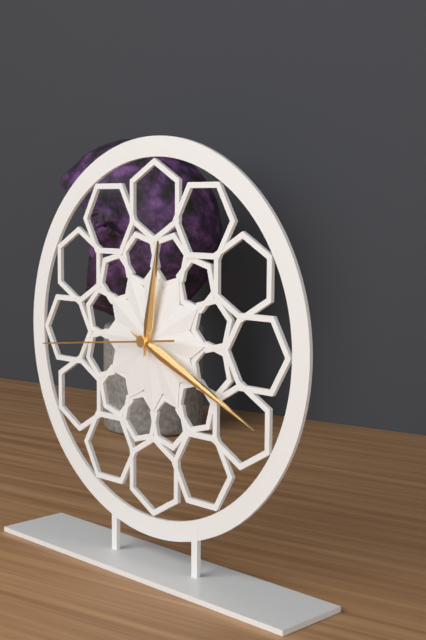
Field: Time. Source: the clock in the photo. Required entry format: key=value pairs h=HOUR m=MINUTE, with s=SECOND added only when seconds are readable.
h=12 m=19 s=44
